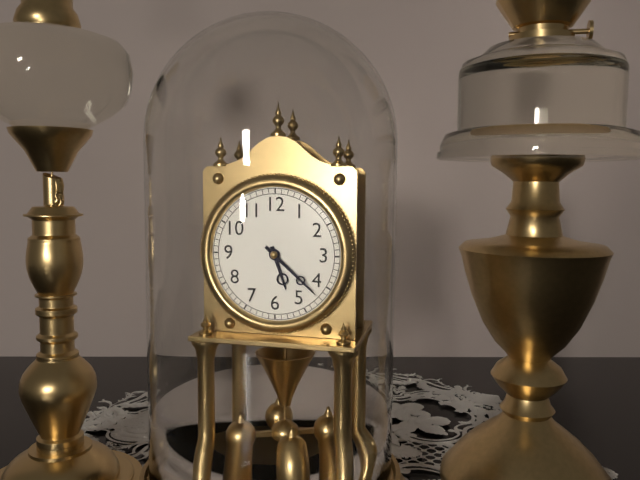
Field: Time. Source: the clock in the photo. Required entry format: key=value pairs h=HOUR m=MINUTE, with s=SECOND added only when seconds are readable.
h=5 m=22
